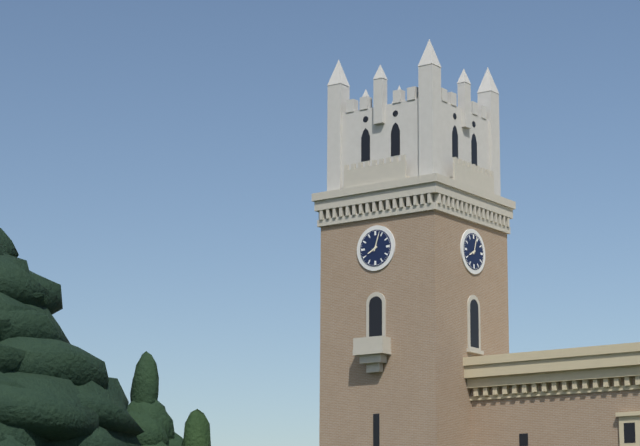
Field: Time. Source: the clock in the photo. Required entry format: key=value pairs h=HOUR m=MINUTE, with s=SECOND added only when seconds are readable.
h=8 m=3
